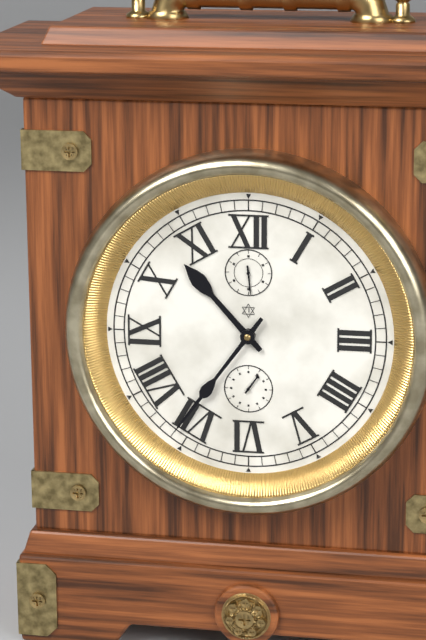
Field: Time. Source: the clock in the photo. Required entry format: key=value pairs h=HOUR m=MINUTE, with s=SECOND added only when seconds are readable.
h=10 m=36
